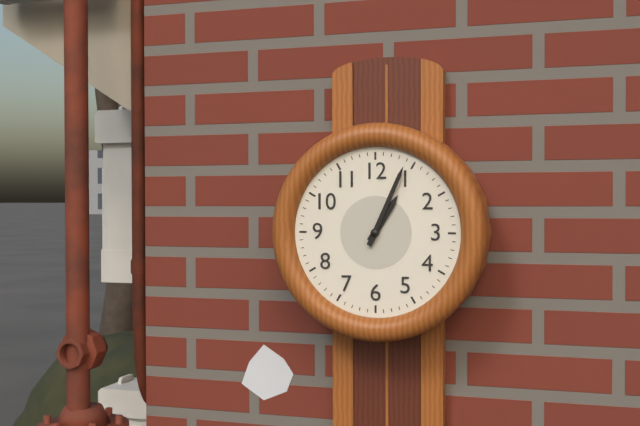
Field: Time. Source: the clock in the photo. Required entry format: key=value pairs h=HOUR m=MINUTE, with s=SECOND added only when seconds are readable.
h=1 m=4
